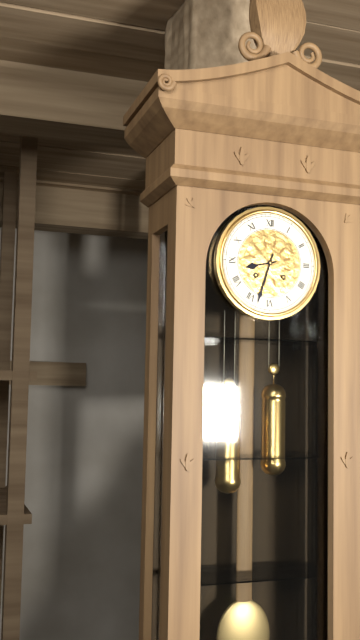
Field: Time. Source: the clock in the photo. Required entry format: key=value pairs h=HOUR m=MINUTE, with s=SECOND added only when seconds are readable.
h=8 m=33
